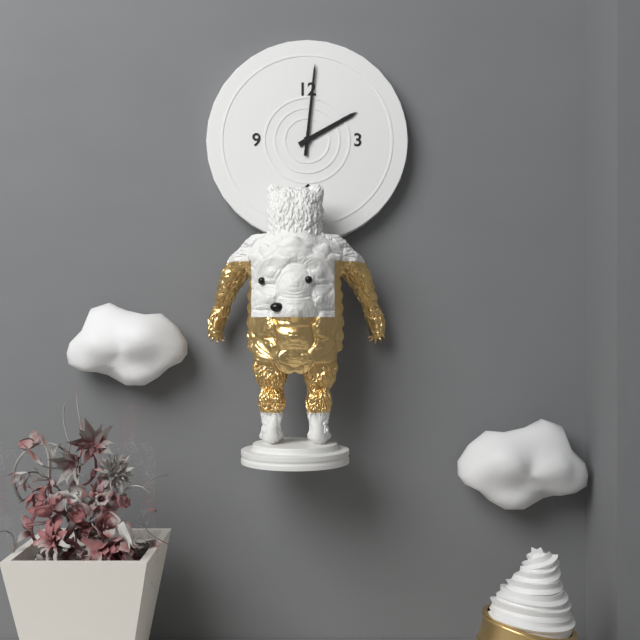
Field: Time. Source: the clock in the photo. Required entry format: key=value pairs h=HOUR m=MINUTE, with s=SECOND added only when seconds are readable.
h=2 m=1
